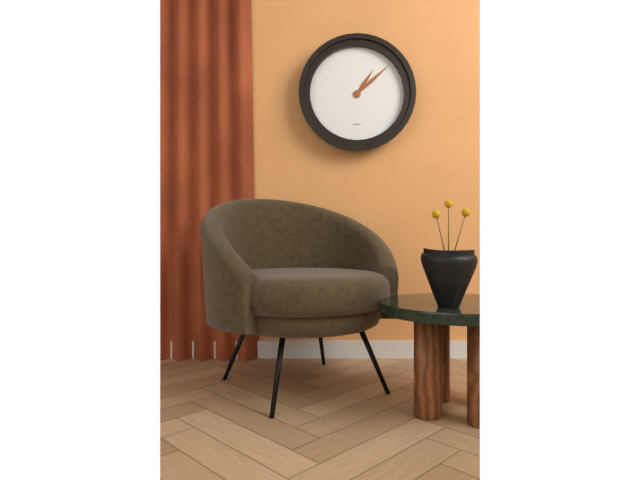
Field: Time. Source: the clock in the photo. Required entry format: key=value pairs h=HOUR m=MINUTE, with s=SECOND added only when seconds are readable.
h=1 m=8
